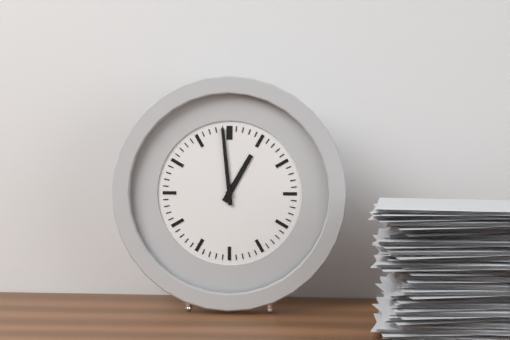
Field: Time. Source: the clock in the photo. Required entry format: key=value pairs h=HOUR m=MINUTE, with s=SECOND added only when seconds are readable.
h=12 m=59
